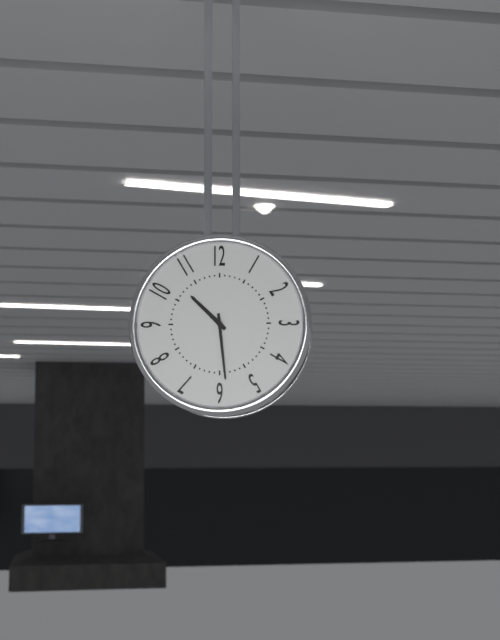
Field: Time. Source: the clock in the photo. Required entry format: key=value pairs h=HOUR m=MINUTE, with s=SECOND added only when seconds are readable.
h=10 m=29
